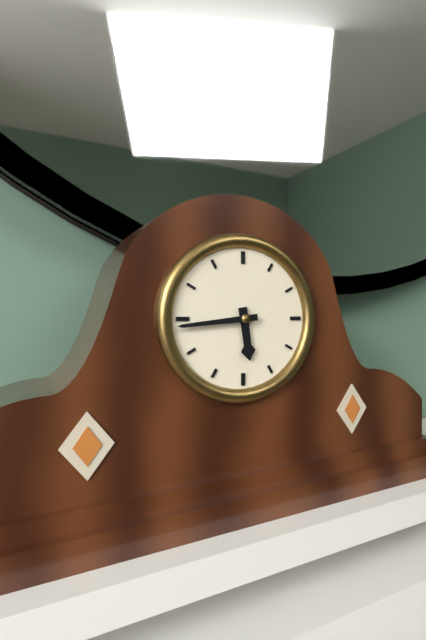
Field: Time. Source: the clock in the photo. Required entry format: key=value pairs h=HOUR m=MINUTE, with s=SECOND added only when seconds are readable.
h=5 m=44
